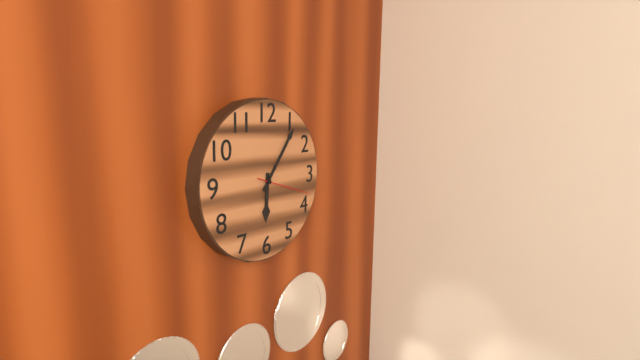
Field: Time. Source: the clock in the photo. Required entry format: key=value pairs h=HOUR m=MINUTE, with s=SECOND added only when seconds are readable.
h=6 m=6 s=18
